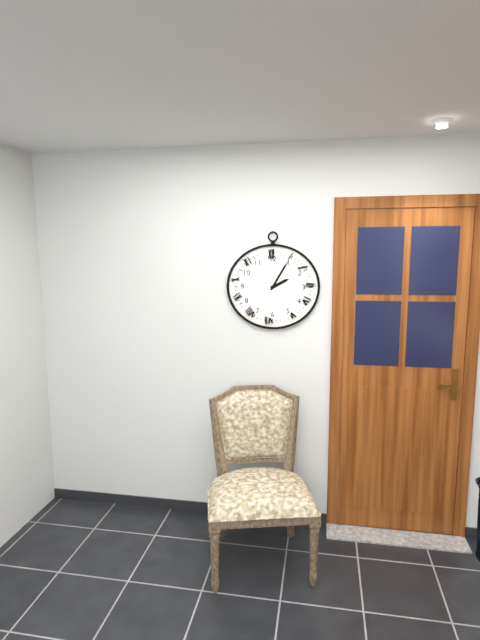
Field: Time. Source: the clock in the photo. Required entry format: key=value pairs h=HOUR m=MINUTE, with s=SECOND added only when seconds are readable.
h=2 m=5
